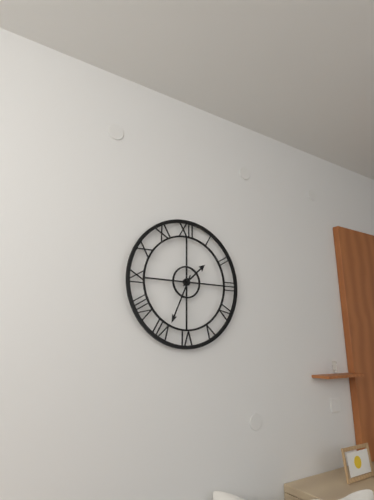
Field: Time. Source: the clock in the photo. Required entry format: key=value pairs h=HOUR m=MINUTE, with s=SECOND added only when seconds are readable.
h=1 m=34
